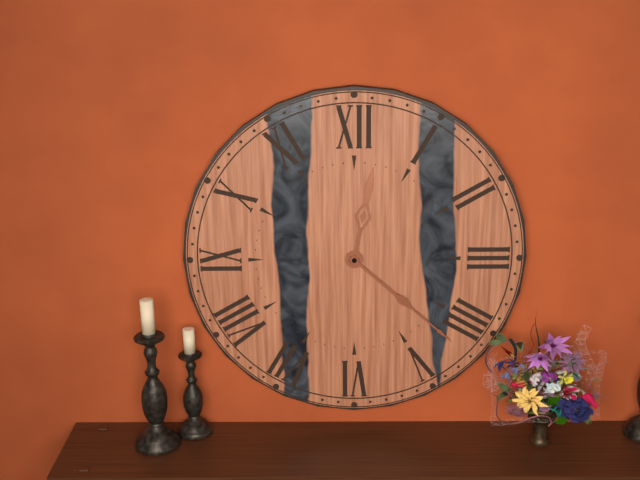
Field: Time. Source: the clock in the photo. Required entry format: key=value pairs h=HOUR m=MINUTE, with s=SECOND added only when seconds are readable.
h=12 m=22
